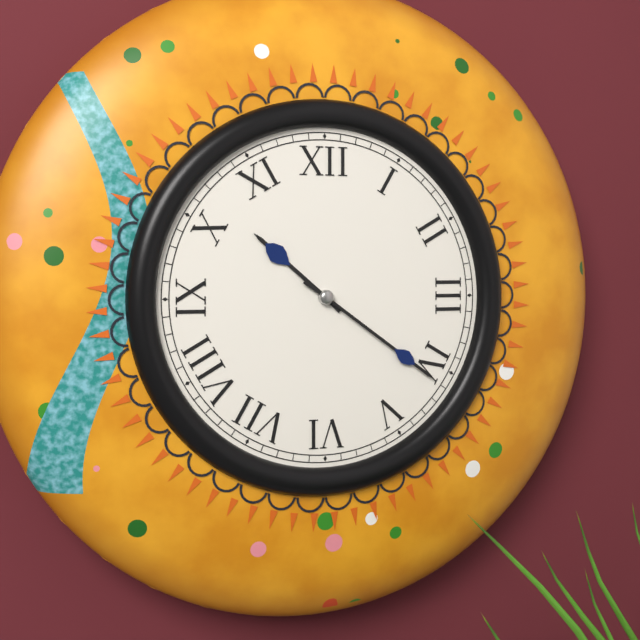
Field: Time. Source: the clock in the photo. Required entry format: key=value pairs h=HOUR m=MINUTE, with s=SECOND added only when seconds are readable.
h=10 m=21
